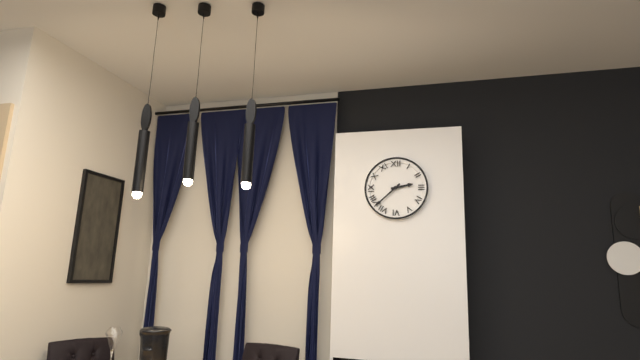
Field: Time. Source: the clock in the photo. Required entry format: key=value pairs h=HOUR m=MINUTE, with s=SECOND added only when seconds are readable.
h=2 m=38
